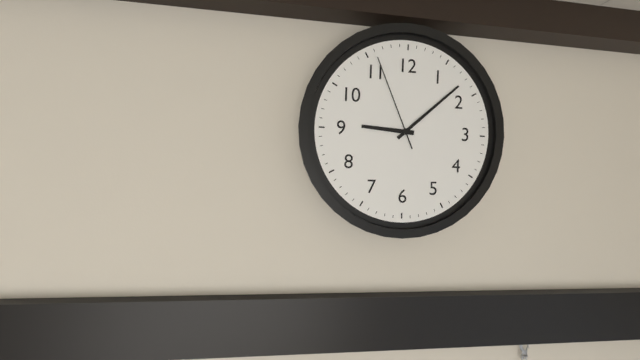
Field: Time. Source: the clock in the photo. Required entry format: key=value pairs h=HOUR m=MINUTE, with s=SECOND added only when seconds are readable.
h=9 m=8 s=56
